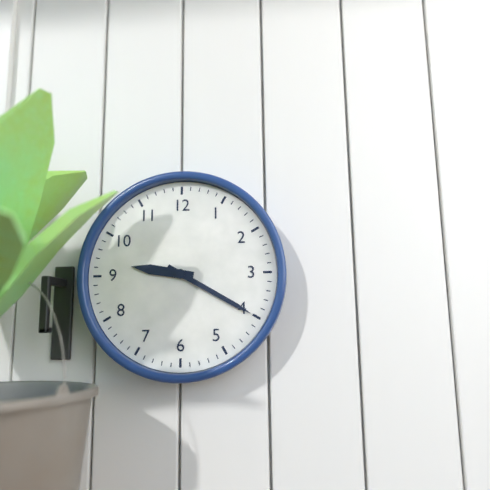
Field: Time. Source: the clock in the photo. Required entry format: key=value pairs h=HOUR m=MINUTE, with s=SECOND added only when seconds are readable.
h=9 m=20
